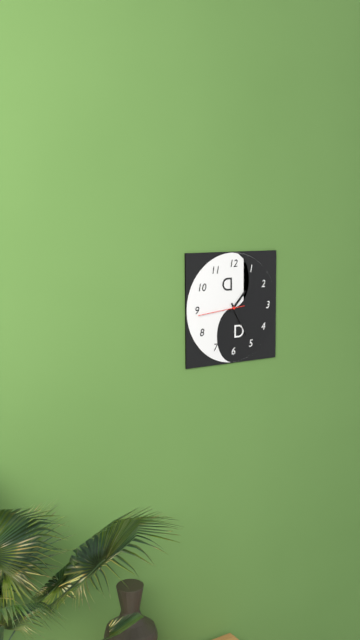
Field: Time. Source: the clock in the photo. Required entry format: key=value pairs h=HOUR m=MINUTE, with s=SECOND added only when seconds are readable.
h=1 m=25
